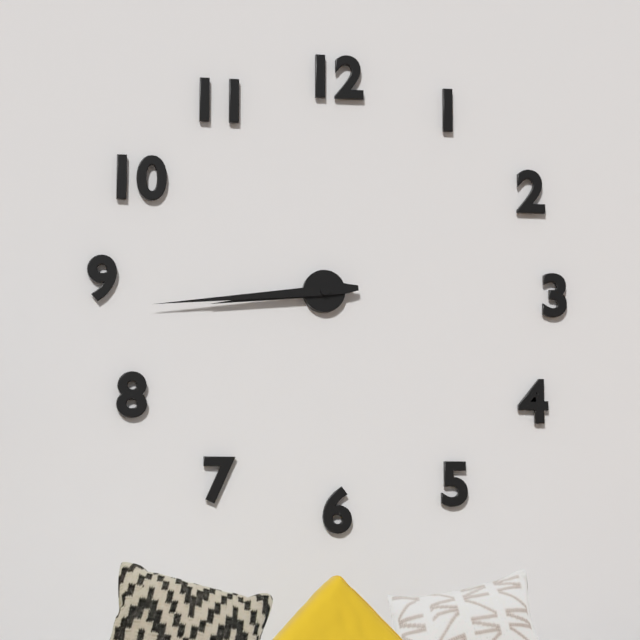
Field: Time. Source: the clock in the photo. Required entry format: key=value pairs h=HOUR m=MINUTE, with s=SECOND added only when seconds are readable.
h=8 m=44
